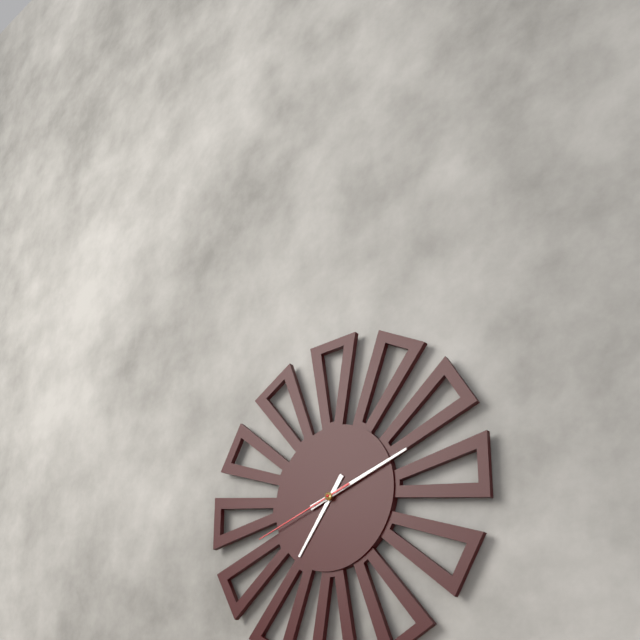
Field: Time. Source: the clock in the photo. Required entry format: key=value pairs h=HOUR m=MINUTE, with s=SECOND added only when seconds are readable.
h=7 m=12 s=42
